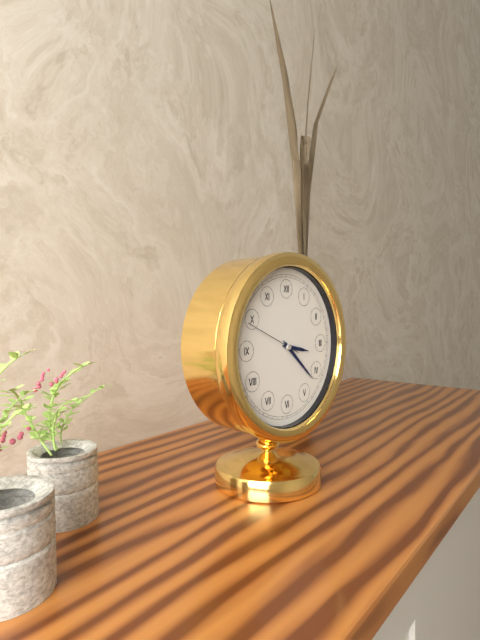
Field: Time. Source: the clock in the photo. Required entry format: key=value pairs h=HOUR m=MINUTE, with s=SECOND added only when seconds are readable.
h=3 m=22 s=49
